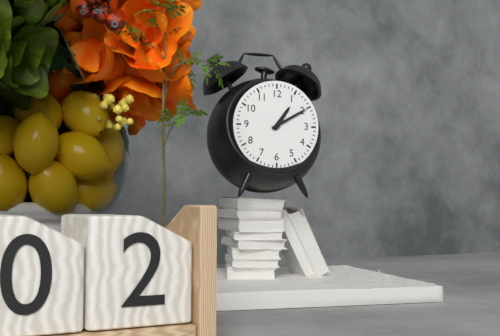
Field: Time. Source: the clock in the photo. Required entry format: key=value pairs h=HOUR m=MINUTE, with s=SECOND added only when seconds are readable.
h=1 m=10
